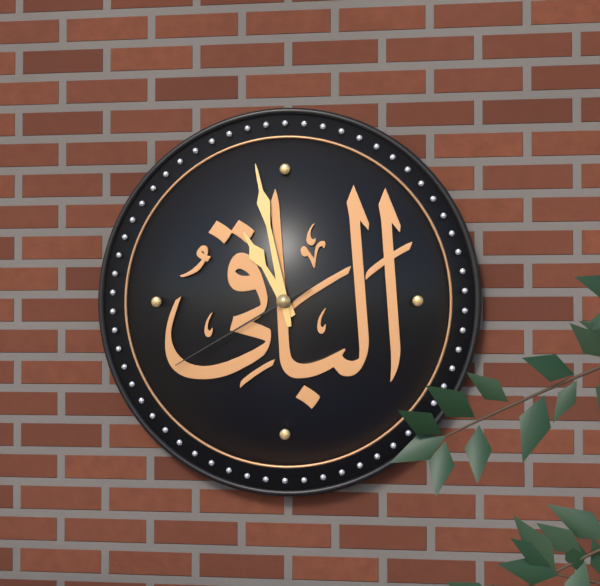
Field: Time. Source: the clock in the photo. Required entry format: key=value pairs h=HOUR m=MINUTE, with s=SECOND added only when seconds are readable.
h=10 m=58 s=40
